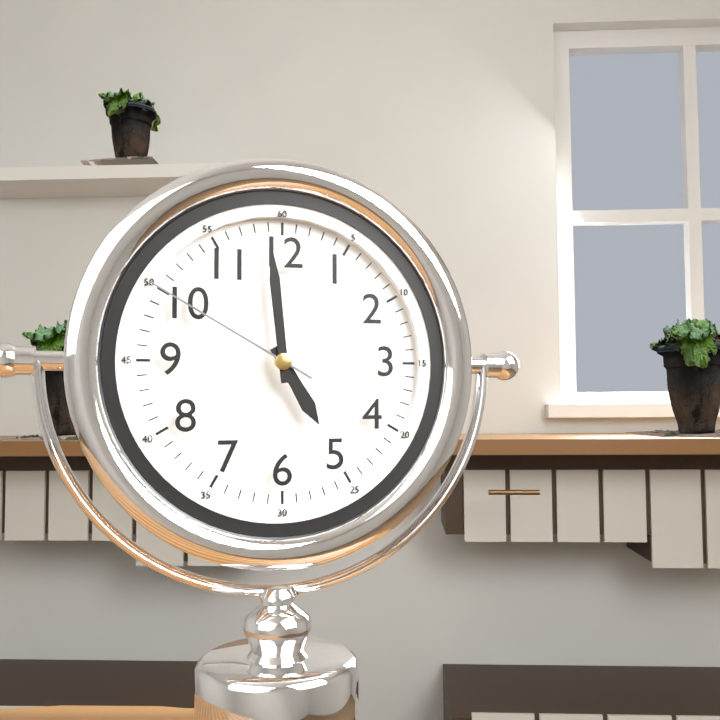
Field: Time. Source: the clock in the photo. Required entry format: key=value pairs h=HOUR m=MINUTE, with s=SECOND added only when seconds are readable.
h=4 m=59 s=50
